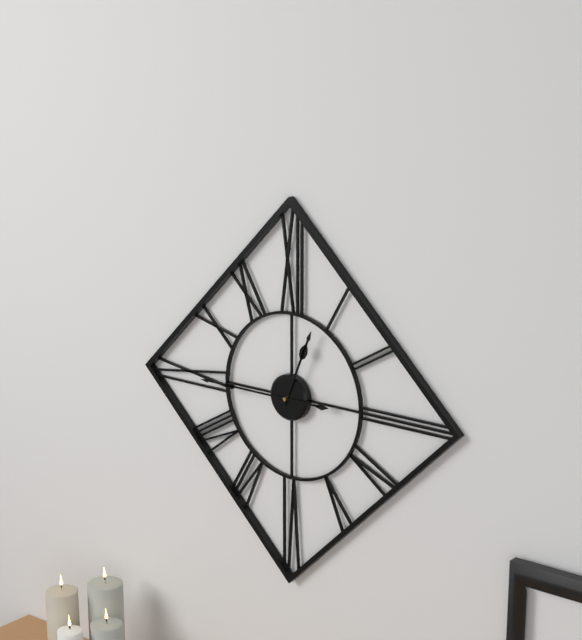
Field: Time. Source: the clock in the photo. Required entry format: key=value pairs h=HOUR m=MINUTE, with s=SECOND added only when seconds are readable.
h=12 m=45
